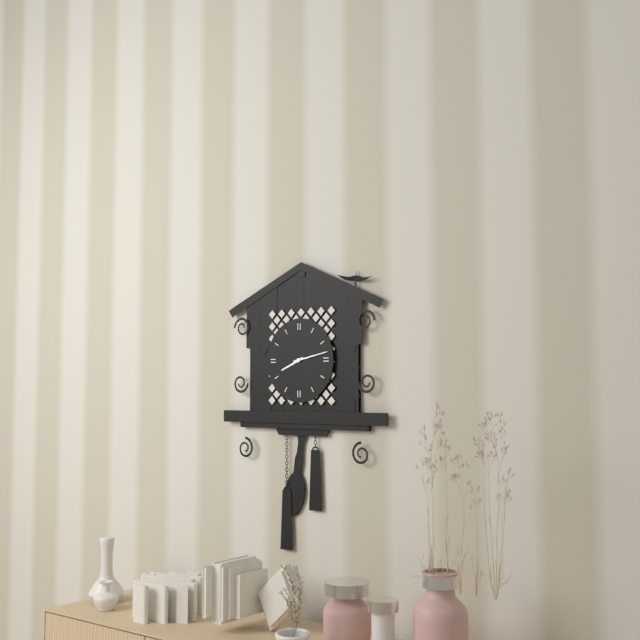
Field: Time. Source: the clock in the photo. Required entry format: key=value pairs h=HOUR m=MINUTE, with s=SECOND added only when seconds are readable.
h=8 m=13
